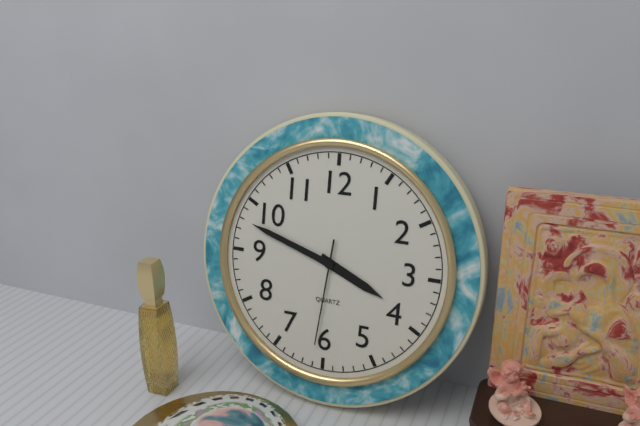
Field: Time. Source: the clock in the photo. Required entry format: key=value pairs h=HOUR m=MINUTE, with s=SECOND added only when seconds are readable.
h=3 m=48 s=31
